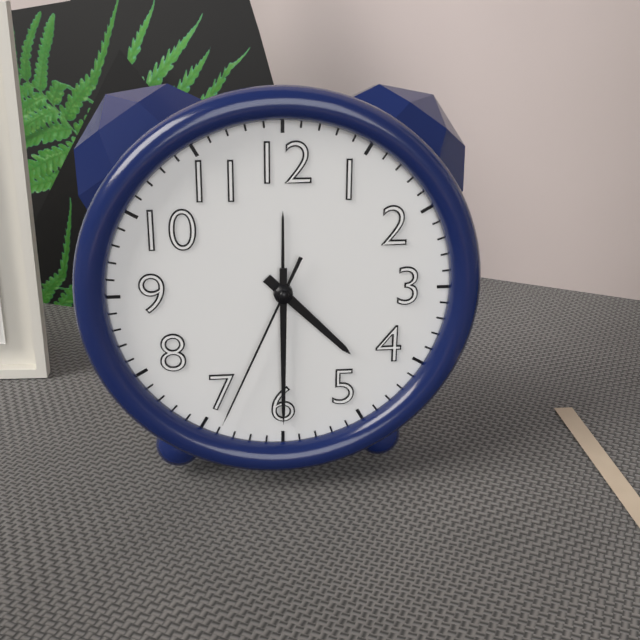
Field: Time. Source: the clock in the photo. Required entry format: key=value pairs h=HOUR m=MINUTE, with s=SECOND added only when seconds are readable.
h=4 m=30 s=34
